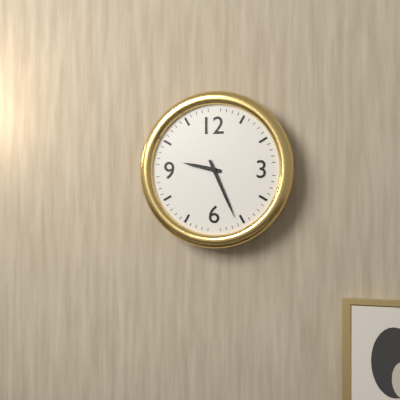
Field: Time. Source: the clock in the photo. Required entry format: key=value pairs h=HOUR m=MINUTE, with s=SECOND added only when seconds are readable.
h=9 m=26
